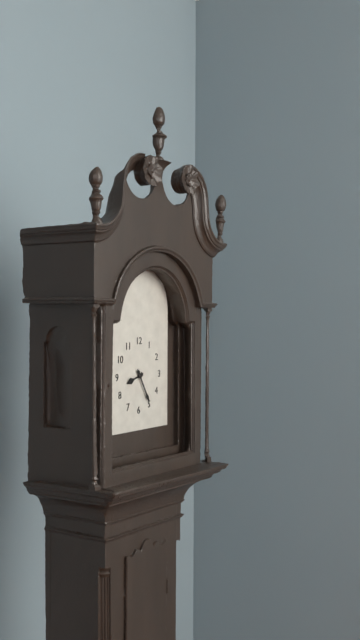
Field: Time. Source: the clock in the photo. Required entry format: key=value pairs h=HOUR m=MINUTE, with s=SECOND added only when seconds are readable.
h=8 m=25
